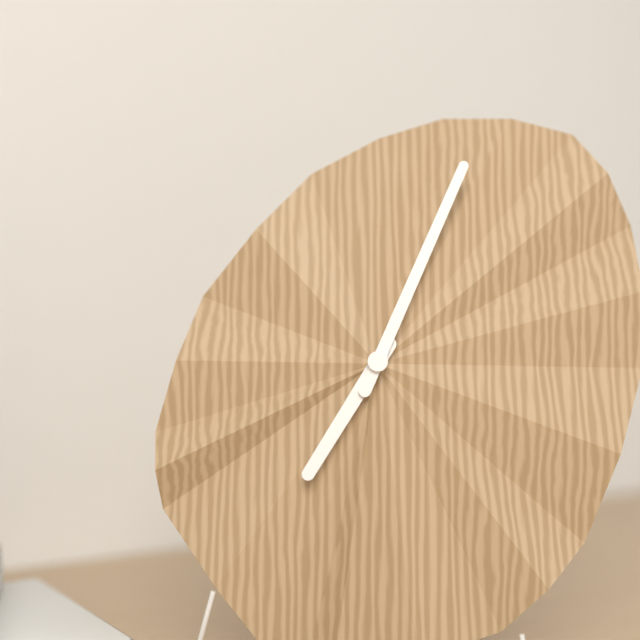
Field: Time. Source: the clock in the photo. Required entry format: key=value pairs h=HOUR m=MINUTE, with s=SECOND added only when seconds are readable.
h=7 m=4
